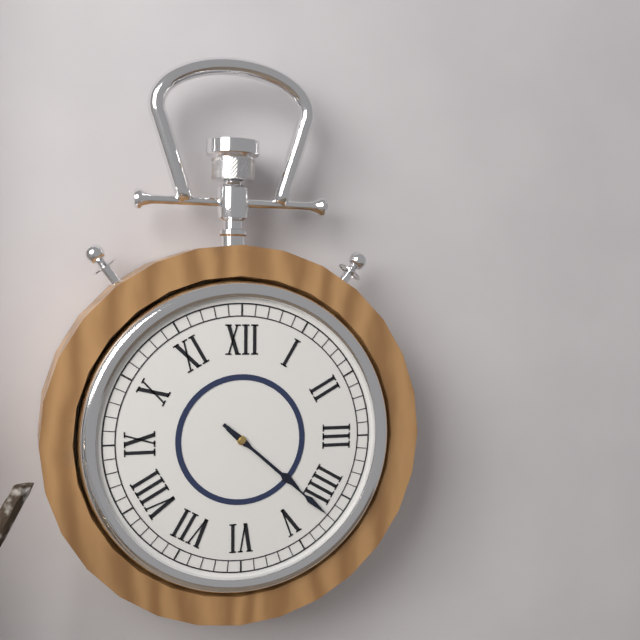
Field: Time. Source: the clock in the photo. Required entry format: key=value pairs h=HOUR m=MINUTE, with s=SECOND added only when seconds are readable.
h=4 m=22
